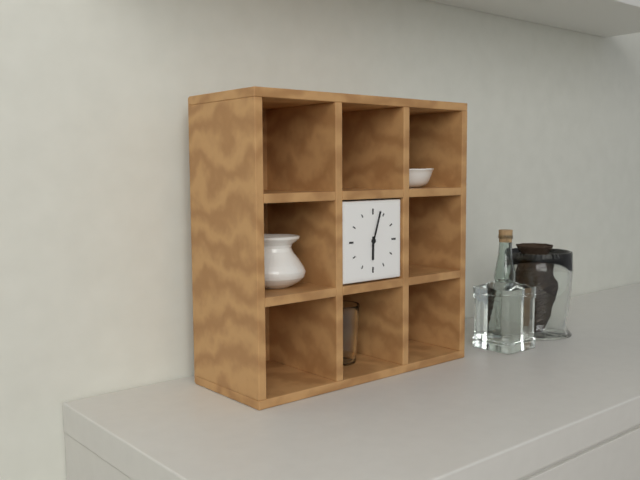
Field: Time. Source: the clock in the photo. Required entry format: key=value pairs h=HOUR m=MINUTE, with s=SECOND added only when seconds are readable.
h=6 m=3
